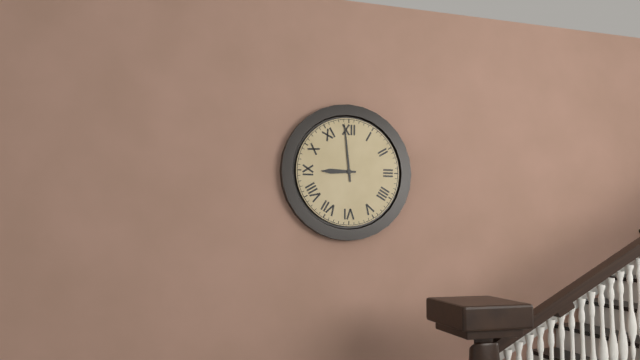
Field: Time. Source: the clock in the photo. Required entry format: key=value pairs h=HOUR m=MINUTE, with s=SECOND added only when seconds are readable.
h=8 m=59
